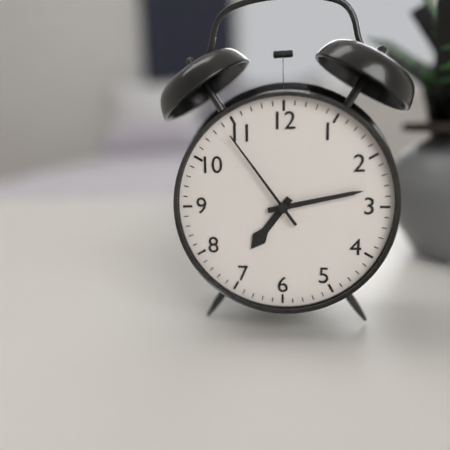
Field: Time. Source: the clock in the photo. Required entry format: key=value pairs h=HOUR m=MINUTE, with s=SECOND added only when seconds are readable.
h=7 m=13 s=54
